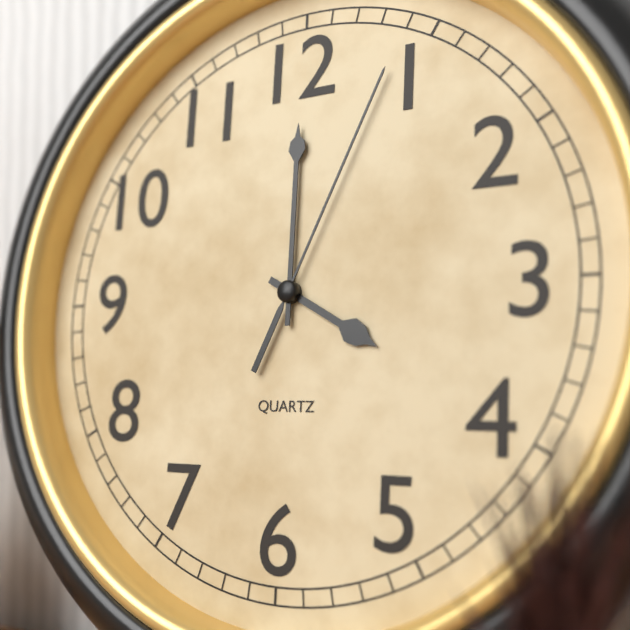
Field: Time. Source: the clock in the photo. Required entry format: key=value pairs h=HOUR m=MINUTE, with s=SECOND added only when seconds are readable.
h=4 m=0 s=4
